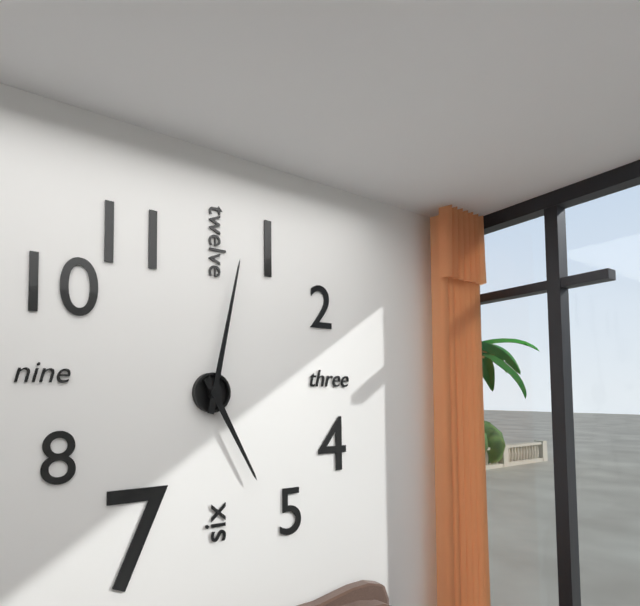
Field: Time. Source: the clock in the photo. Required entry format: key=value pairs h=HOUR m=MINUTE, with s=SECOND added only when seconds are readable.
h=5 m=2
